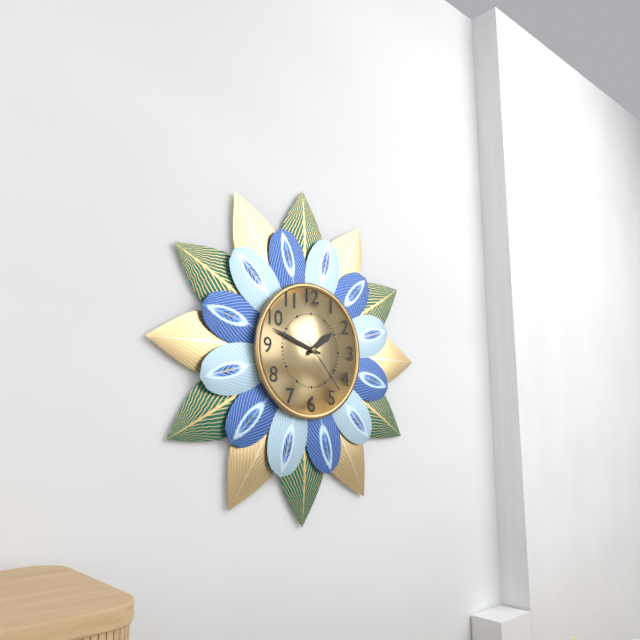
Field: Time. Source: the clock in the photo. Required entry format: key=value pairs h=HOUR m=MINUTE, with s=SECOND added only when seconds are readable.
h=1 m=48 s=23
